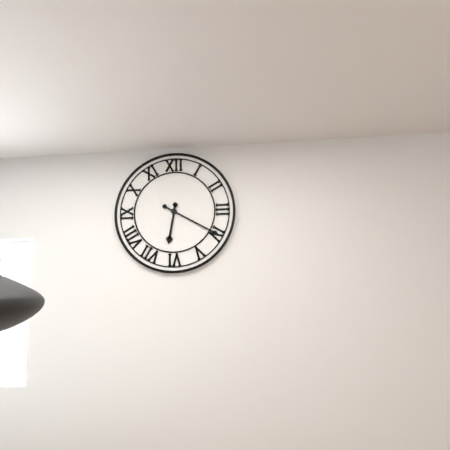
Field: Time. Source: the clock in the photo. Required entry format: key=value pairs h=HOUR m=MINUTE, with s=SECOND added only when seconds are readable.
h=6 m=20
